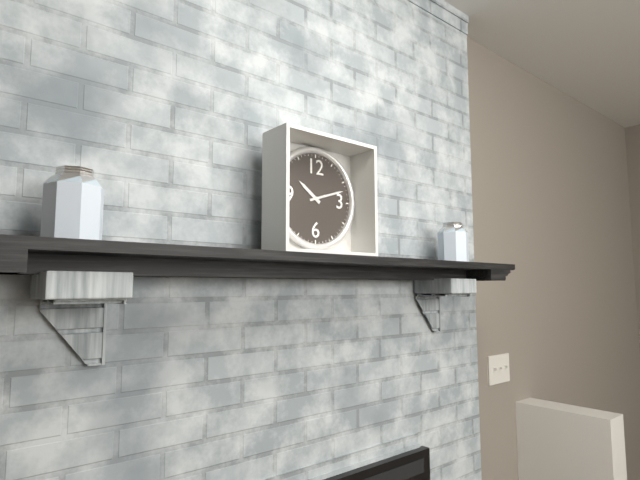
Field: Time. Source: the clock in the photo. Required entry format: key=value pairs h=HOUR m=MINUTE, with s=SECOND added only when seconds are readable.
h=10 m=12
